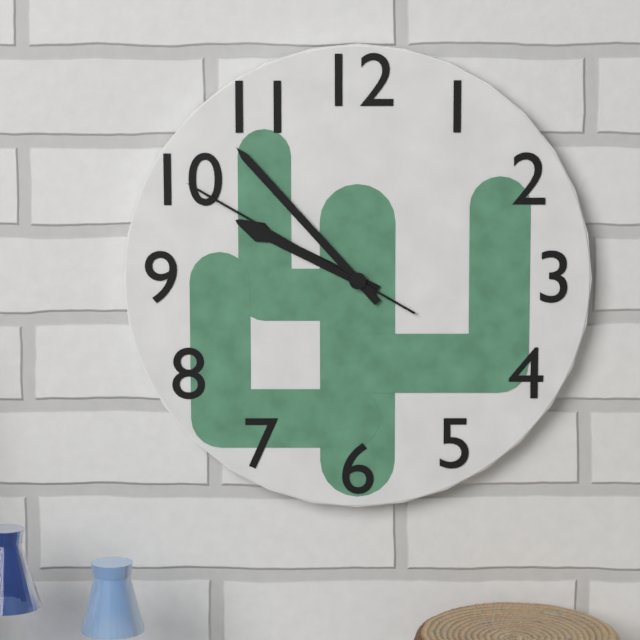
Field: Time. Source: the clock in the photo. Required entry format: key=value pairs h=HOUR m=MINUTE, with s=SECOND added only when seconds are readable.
h=9 m=53 s=50
